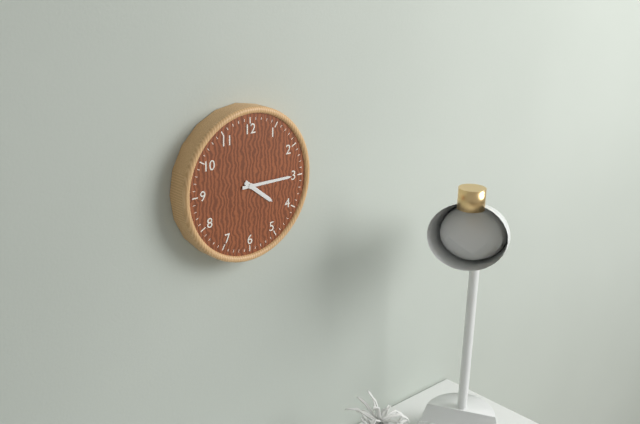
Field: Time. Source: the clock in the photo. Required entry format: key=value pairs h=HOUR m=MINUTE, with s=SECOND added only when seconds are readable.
h=4 m=15
